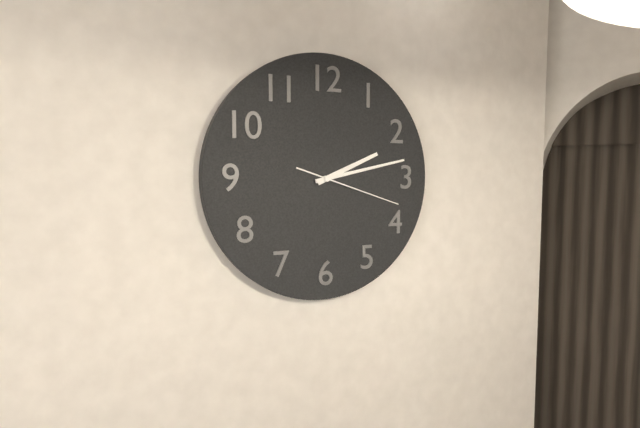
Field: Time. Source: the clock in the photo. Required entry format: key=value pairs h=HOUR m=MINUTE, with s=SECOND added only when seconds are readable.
h=2 m=13 s=18
